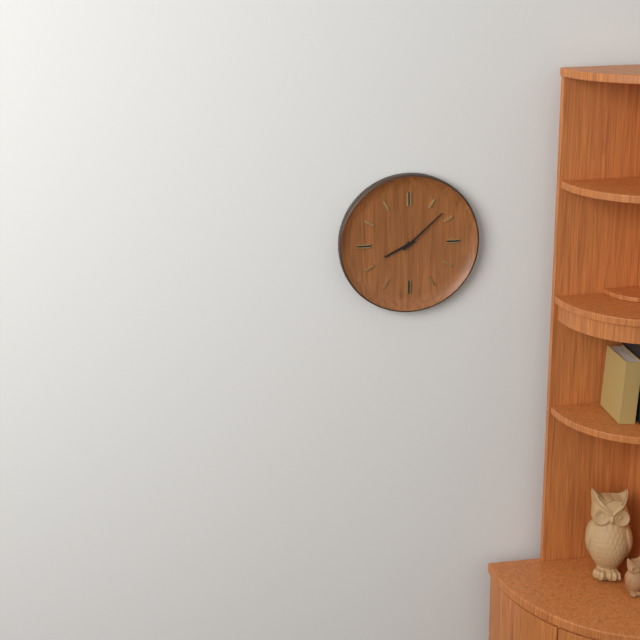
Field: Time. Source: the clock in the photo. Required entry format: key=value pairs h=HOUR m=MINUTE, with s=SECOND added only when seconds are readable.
h=8 m=8
